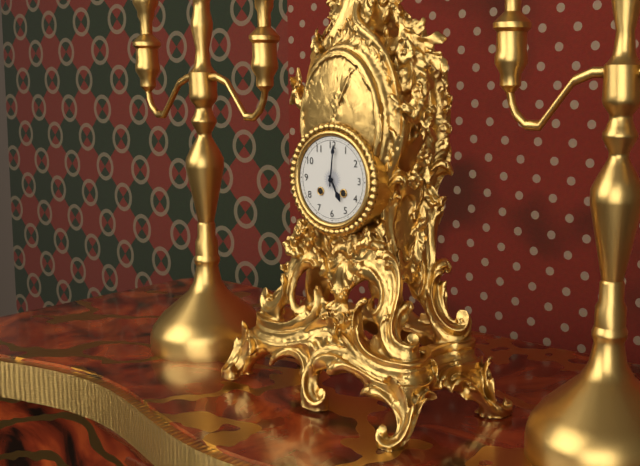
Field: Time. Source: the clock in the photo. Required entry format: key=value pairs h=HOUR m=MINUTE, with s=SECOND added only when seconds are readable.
h=5 m=1
